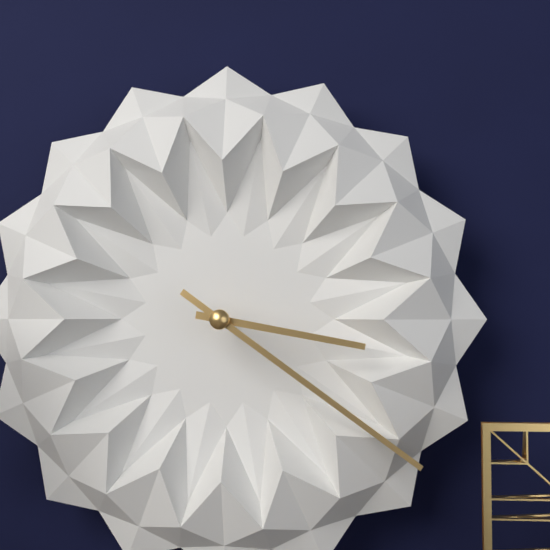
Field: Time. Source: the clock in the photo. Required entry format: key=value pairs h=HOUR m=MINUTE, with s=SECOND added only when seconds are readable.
h=3 m=21
